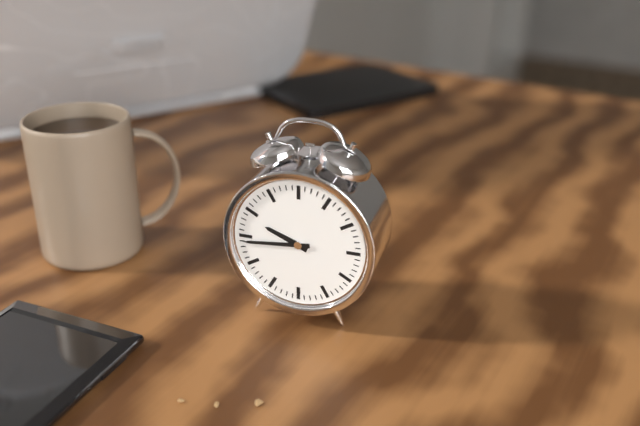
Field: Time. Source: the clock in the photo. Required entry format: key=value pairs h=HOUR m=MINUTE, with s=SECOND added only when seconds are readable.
h=9 m=44
